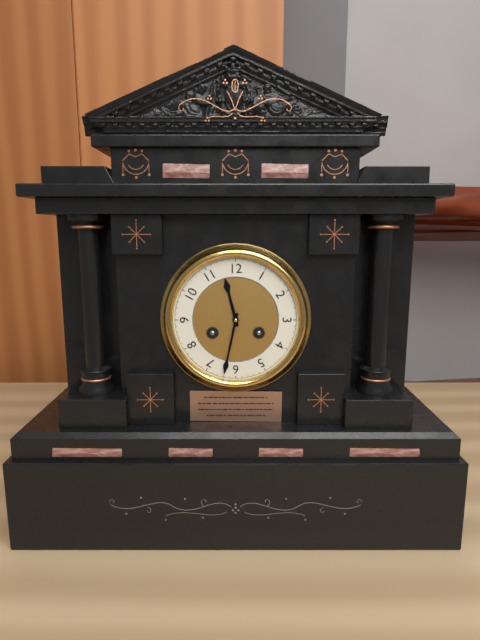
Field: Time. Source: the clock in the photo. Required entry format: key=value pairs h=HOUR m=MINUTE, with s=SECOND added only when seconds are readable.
h=11 m=32
